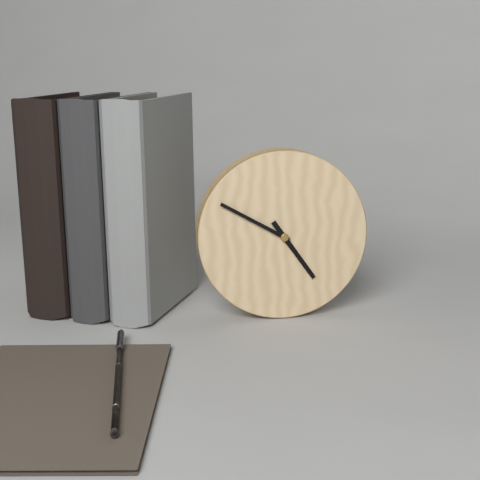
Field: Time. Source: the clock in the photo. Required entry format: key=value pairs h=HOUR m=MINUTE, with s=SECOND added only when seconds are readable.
h=4 m=50
